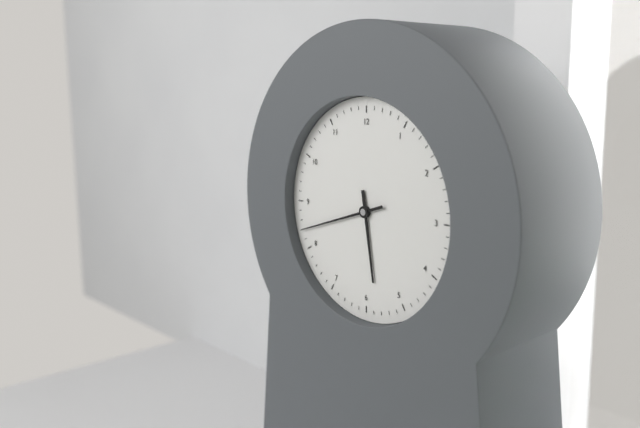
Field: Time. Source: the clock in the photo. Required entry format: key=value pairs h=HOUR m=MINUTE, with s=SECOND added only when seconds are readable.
h=5 m=42
